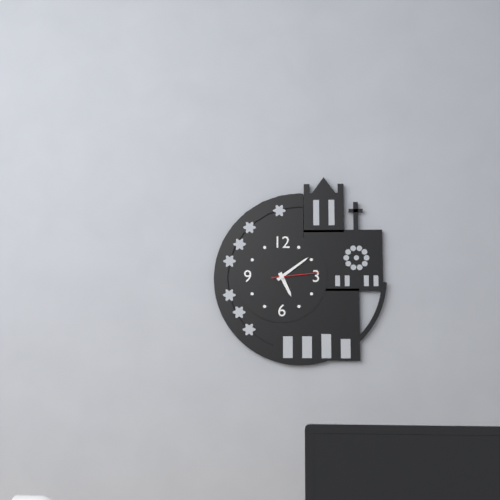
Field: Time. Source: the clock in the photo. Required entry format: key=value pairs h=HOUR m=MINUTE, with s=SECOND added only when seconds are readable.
h=5 m=9
